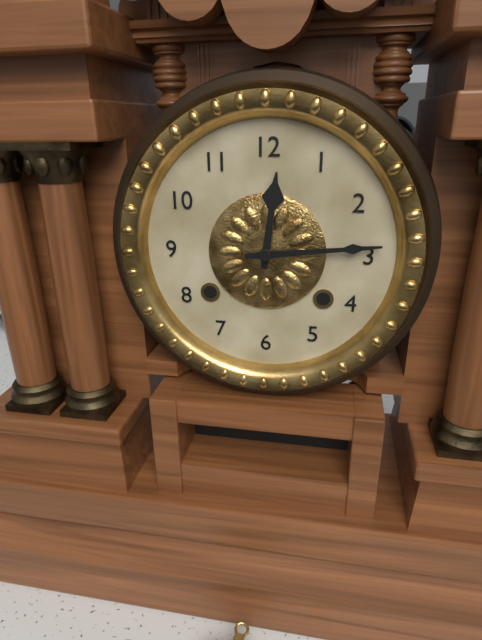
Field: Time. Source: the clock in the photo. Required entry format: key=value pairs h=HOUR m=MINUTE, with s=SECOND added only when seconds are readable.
h=12 m=14
